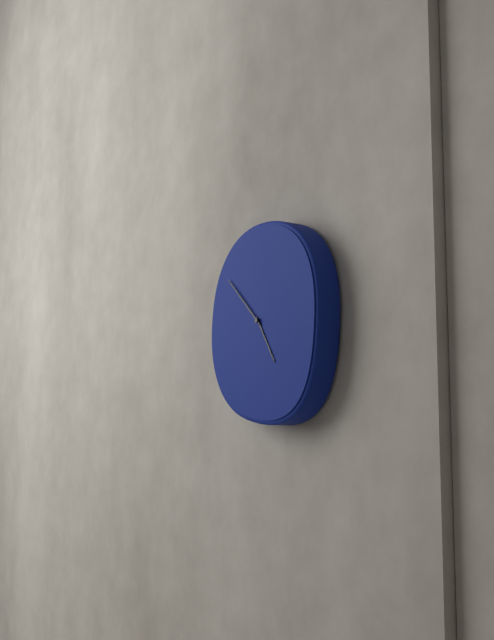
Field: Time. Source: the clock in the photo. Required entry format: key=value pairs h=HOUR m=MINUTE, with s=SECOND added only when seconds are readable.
h=4 m=52
